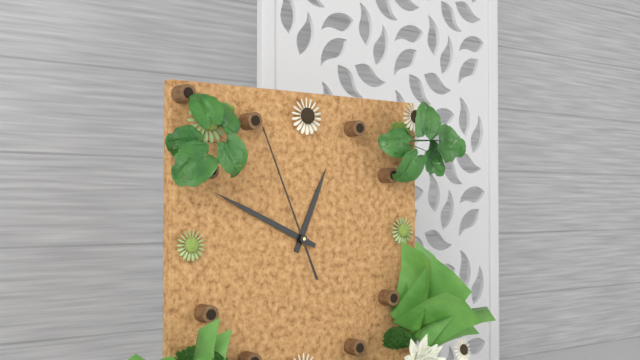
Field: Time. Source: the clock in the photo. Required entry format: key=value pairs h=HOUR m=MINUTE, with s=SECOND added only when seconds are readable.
h=12 m=49 s=56
